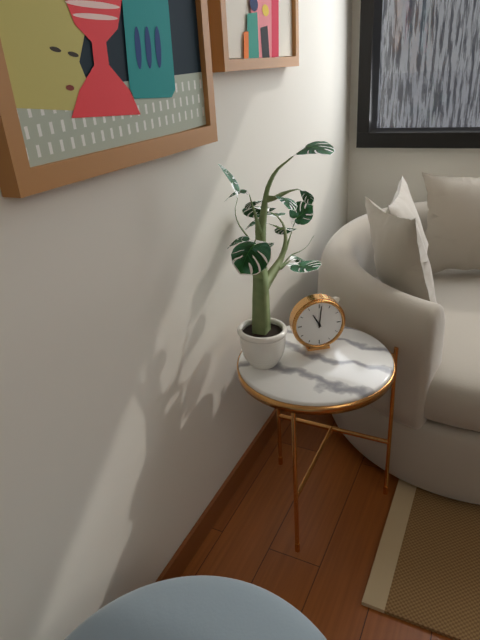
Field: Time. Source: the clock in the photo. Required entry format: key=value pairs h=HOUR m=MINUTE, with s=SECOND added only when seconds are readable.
h=11 m=1
